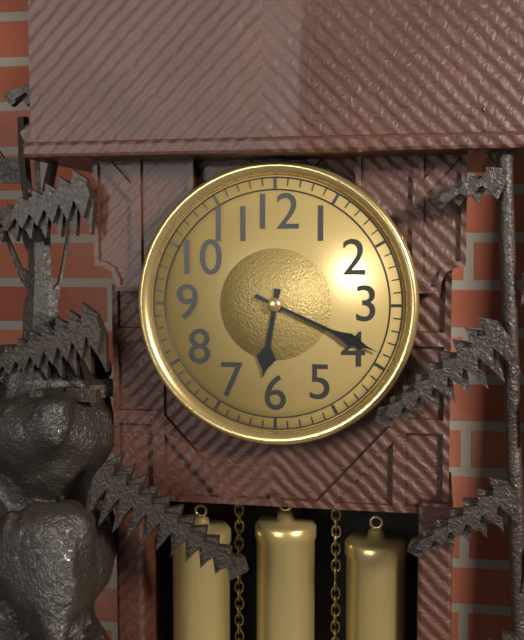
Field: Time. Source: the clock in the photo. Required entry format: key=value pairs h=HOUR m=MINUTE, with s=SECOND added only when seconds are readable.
h=6 m=19
